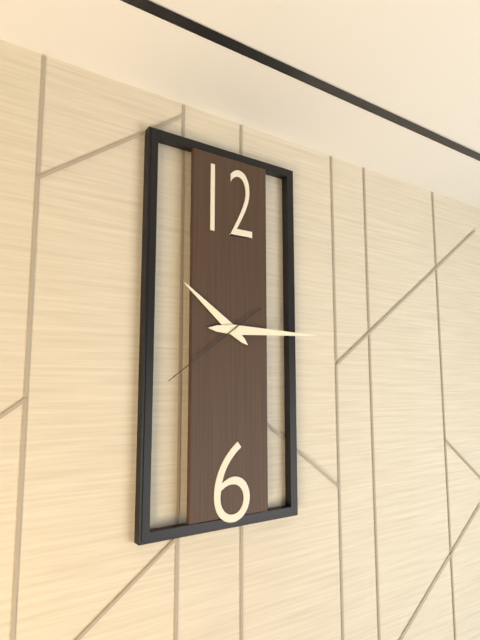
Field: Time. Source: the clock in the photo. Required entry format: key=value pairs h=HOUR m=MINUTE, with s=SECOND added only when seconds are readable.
h=10 m=15 s=39
